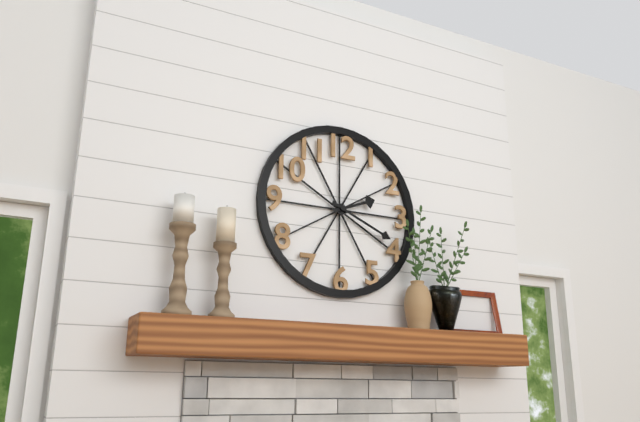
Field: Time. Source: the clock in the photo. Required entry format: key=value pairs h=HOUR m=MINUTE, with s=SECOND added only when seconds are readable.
h=2 m=19
